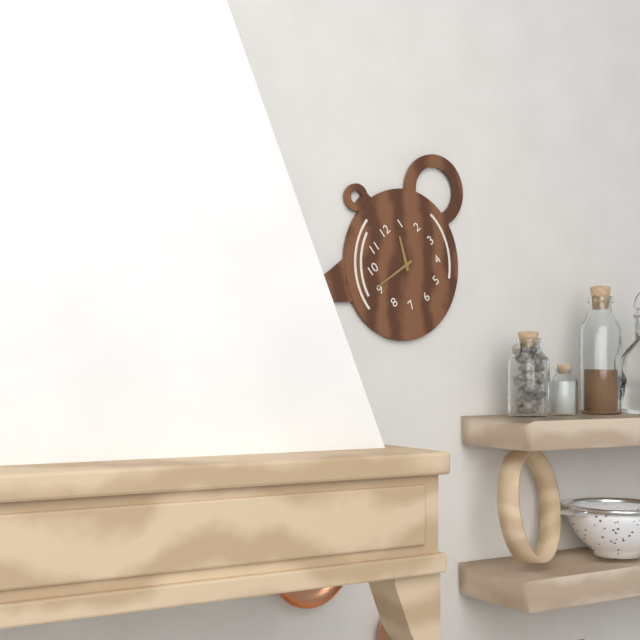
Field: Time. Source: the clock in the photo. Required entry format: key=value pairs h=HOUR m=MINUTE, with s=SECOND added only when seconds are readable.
h=12 m=46
